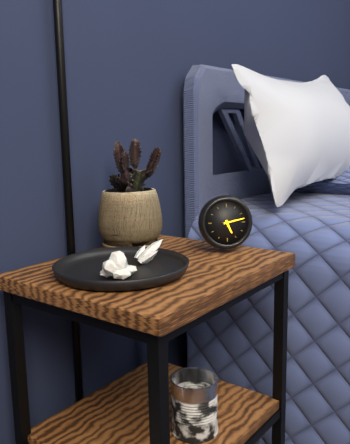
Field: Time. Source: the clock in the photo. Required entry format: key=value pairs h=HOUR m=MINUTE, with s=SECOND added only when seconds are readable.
h=5 m=13
